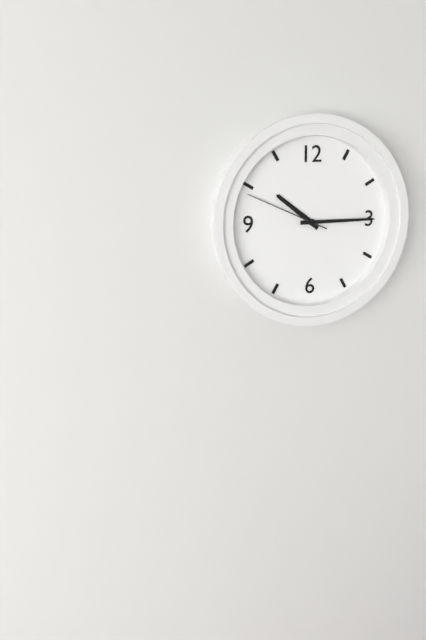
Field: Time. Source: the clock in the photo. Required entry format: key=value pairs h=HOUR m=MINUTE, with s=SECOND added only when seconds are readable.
h=10 m=15 s=49
